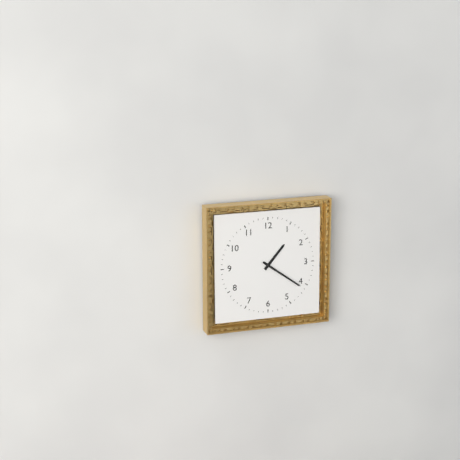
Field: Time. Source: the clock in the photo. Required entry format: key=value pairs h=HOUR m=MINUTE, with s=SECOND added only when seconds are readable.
h=1 m=21
